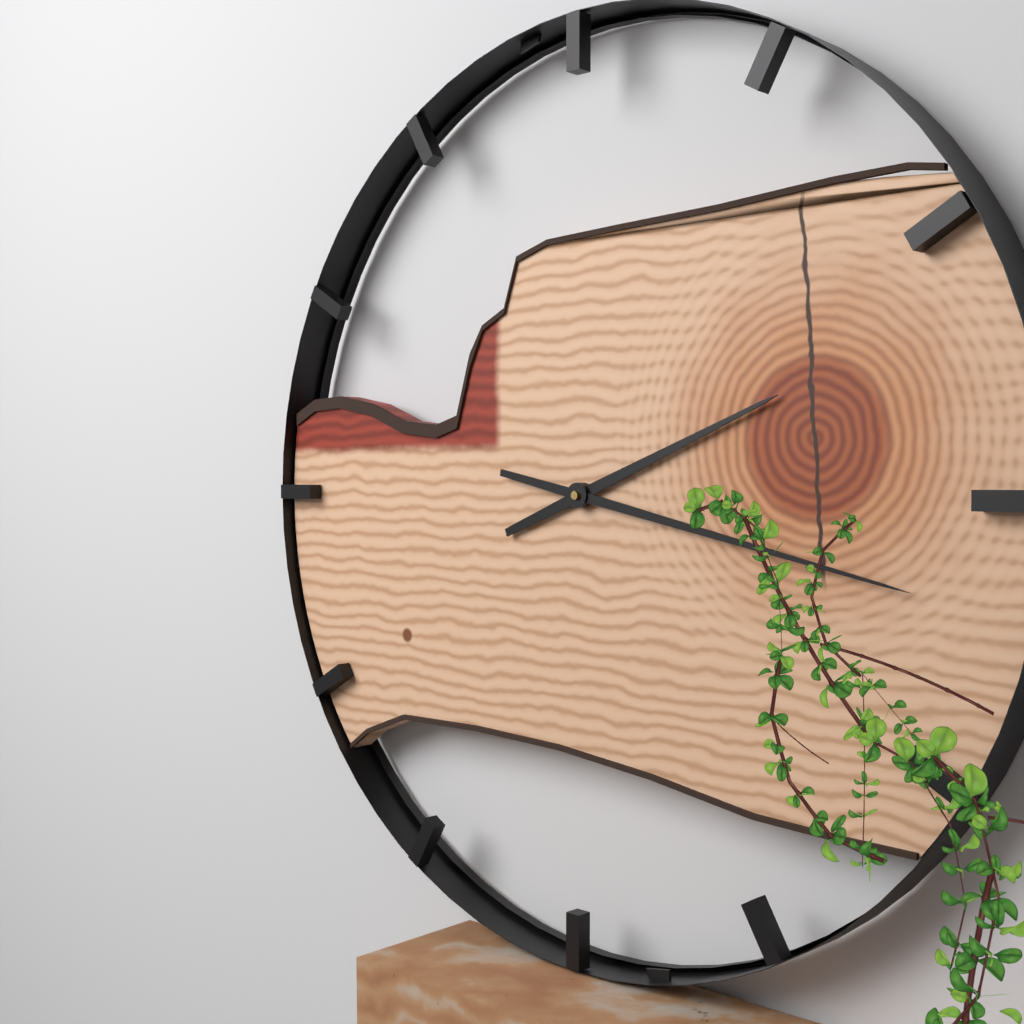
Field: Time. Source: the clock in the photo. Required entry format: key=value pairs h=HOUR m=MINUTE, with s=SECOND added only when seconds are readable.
h=2 m=17
